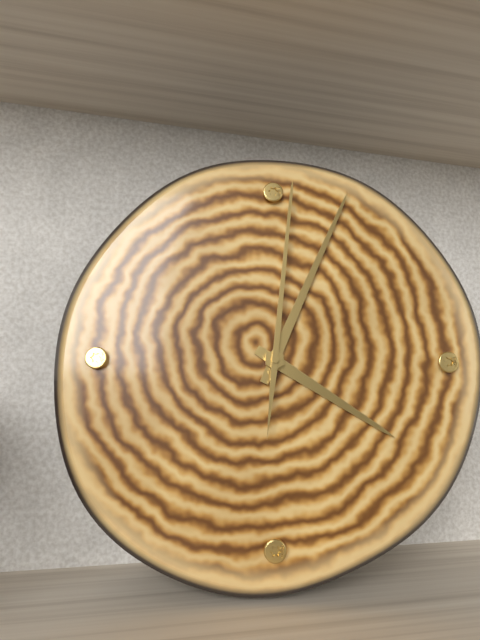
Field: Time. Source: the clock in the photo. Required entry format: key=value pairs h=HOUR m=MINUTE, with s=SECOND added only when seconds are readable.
h=4 m=4 s=1
